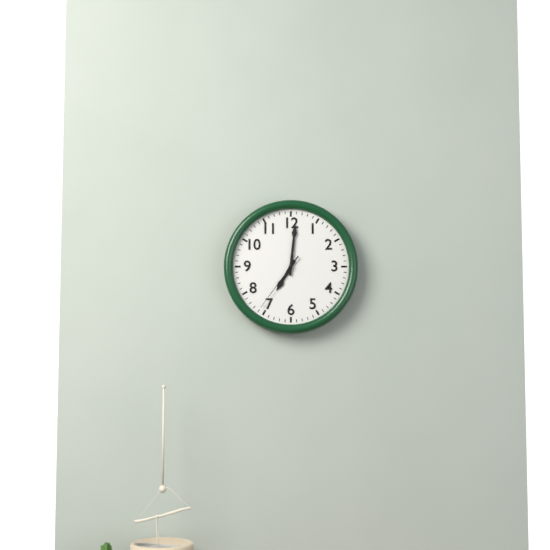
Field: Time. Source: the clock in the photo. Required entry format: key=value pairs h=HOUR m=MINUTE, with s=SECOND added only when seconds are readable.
h=7 m=1 s=36
